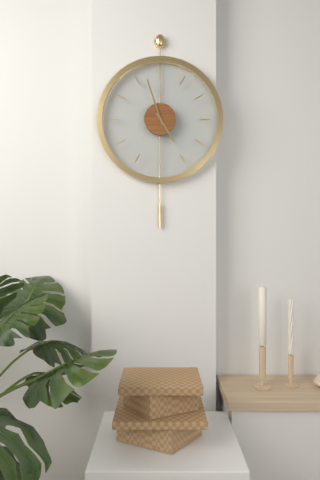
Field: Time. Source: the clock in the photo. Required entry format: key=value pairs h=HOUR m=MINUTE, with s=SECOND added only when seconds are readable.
h=4 m=57
